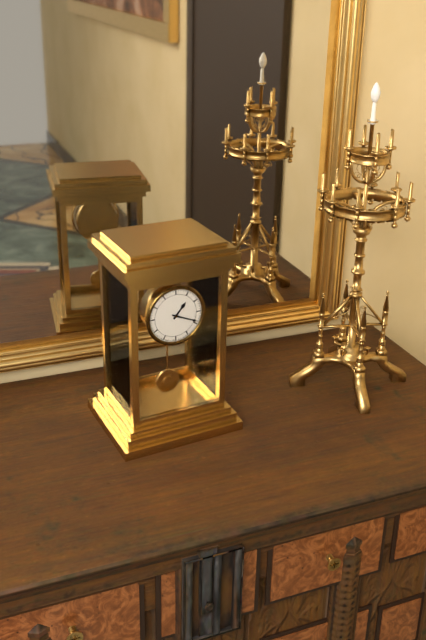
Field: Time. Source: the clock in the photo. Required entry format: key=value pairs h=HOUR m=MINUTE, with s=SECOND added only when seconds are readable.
h=1 m=19
